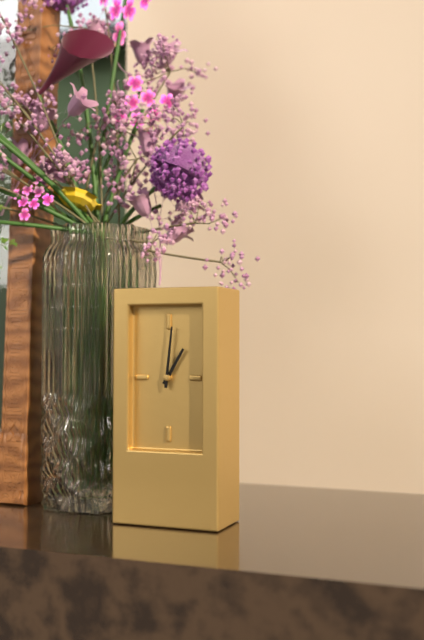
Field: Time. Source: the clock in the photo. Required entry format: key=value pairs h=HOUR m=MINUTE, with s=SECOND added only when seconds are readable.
h=1 m=1
